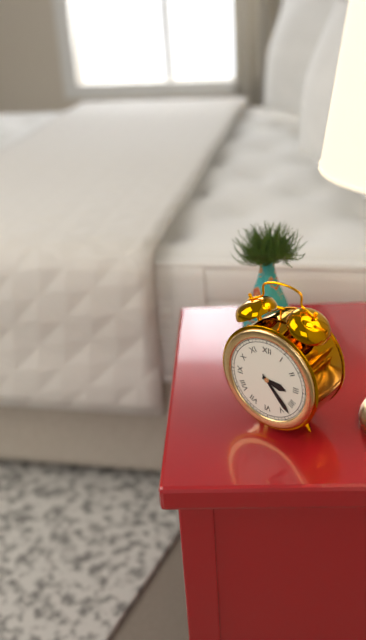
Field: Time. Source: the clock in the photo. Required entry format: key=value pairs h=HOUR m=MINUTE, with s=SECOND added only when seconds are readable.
h=3 m=23
